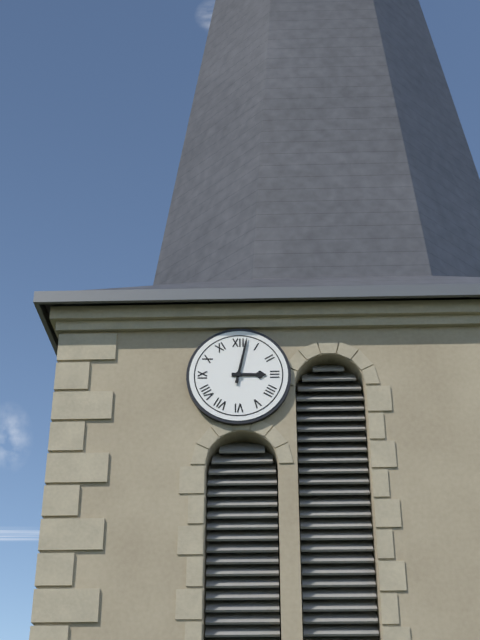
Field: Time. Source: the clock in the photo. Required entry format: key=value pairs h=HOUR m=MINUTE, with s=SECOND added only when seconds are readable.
h=3 m=2
